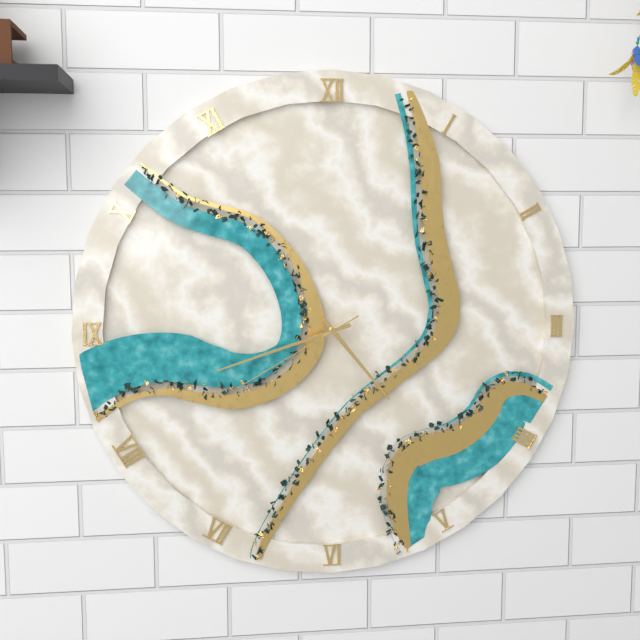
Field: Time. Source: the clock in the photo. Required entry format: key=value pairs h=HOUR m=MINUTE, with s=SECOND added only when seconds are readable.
h=4 m=42 s=40
